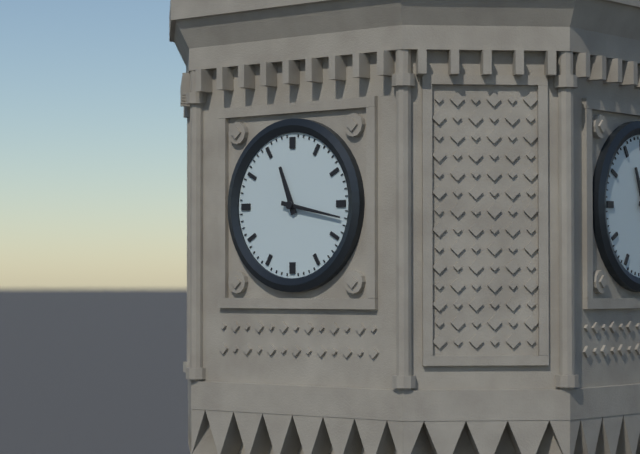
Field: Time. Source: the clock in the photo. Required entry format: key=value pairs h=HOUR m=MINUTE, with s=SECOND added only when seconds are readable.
h=11 m=17
